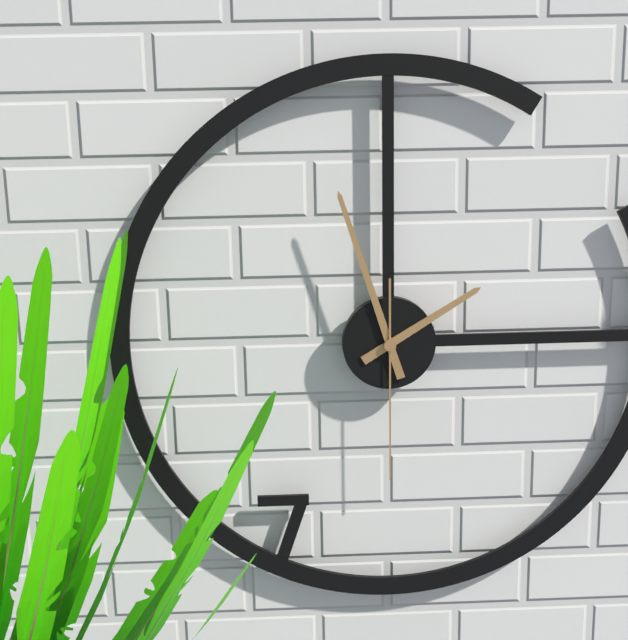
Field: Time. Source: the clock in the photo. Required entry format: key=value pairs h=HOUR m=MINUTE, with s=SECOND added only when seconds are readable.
h=1 m=57 s=30
